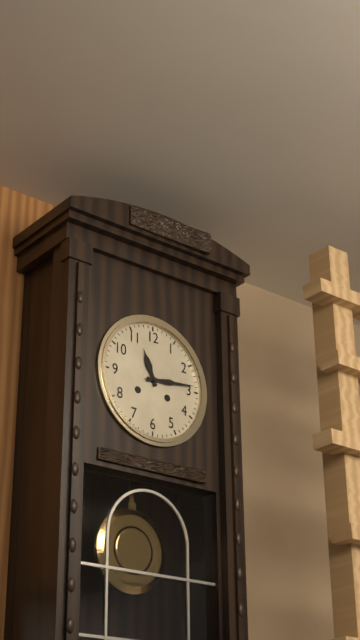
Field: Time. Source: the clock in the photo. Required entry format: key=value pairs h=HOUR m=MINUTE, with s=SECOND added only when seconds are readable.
h=11 m=14
